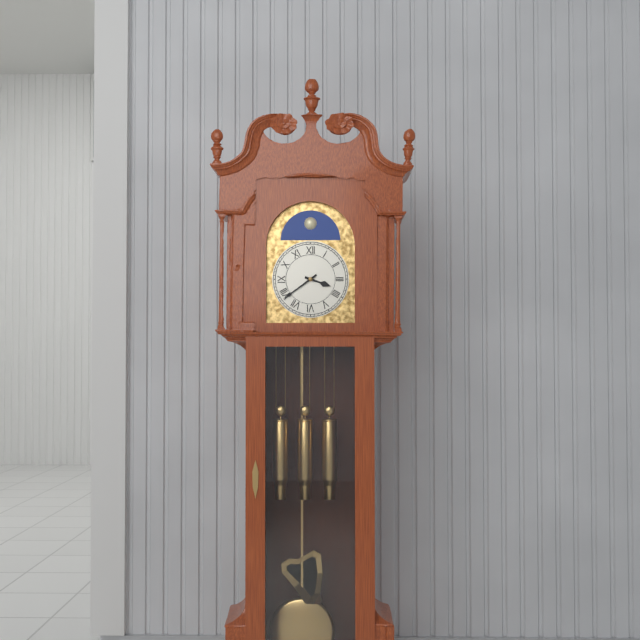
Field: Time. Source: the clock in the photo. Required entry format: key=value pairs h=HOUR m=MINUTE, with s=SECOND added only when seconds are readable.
h=3 m=39
